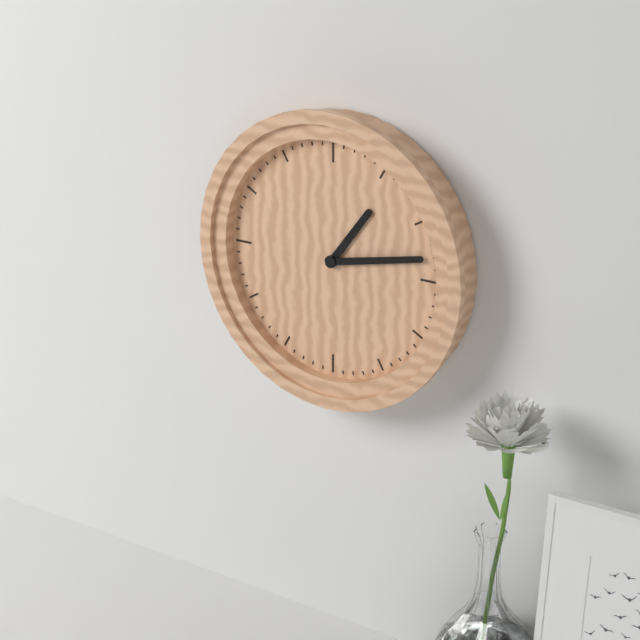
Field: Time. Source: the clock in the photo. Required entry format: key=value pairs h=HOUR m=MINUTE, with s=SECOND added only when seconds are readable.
h=1 m=13
